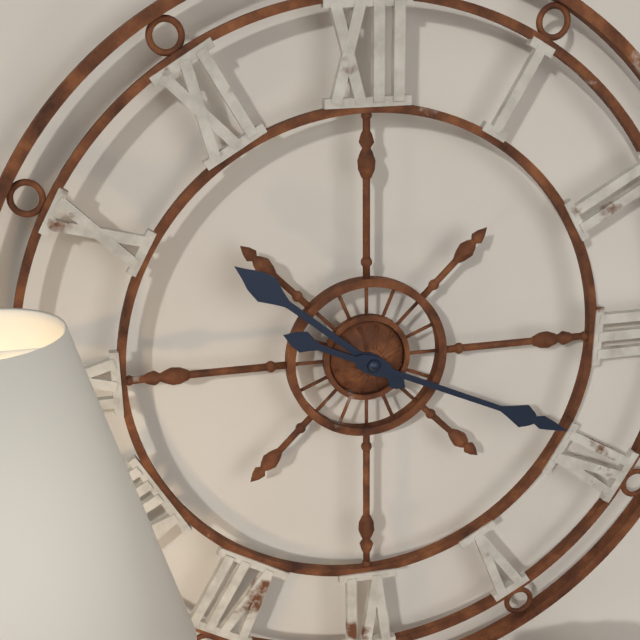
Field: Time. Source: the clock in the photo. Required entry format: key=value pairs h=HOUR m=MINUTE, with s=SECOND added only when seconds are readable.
h=10 m=19
